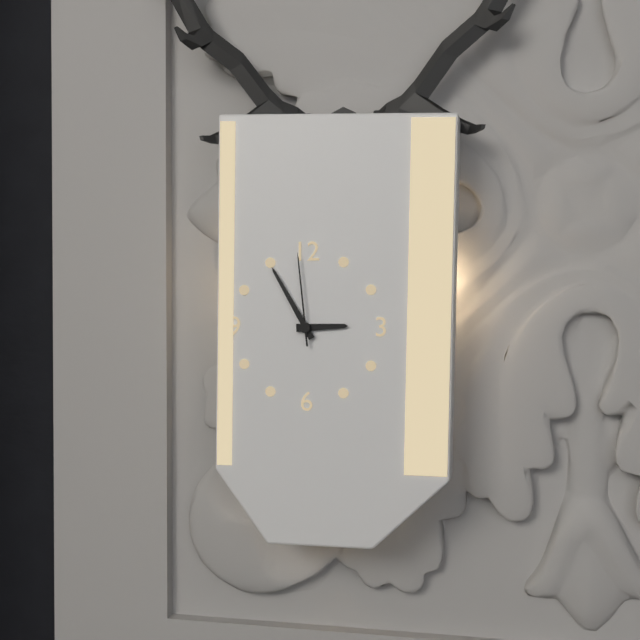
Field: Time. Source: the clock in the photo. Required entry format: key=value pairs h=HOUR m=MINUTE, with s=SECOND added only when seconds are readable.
h=2 m=55 s=59
